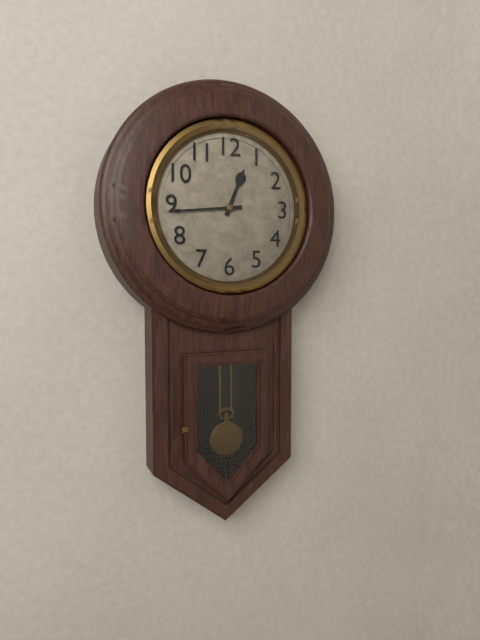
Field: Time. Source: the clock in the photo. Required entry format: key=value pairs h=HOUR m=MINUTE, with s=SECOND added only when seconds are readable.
h=12 m=44
